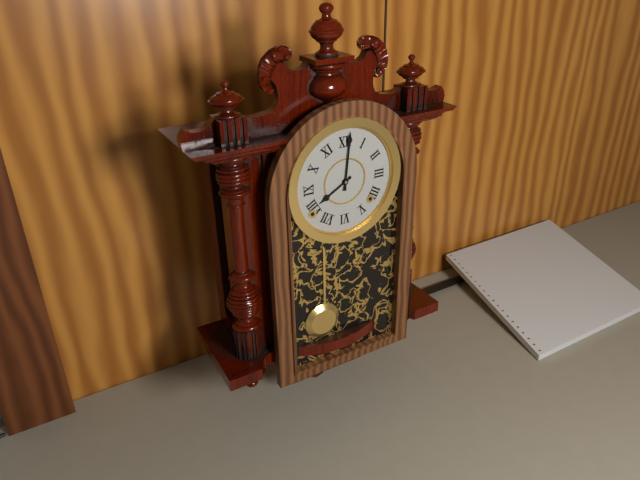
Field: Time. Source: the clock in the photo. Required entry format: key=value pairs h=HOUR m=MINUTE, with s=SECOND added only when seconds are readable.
h=8 m=1
